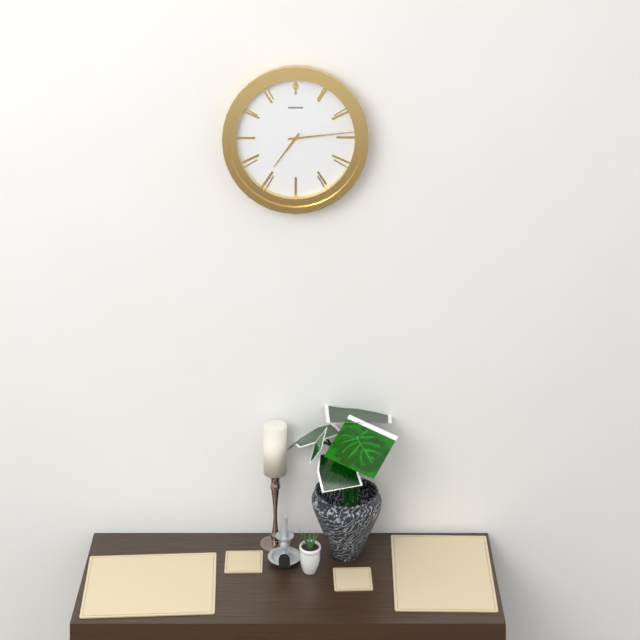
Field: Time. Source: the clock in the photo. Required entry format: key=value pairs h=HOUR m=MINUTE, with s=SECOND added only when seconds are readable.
h=7 m=14
